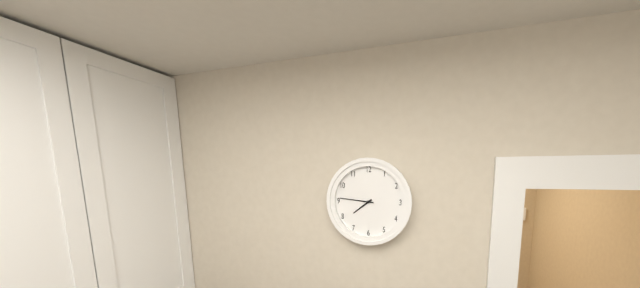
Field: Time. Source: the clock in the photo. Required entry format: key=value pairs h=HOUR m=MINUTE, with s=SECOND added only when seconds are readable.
h=7 m=46
